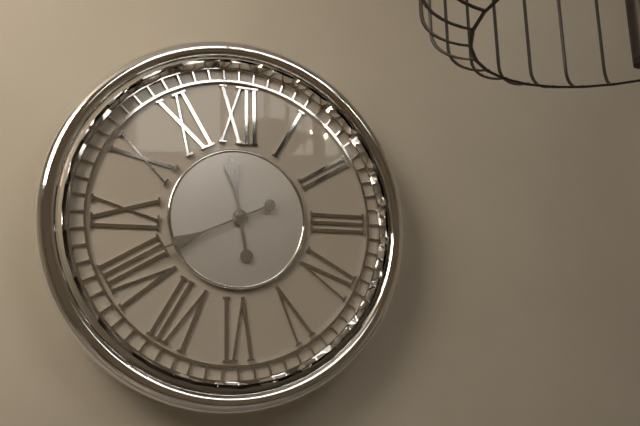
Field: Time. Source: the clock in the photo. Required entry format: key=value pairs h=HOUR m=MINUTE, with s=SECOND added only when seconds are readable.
h=11 m=41
